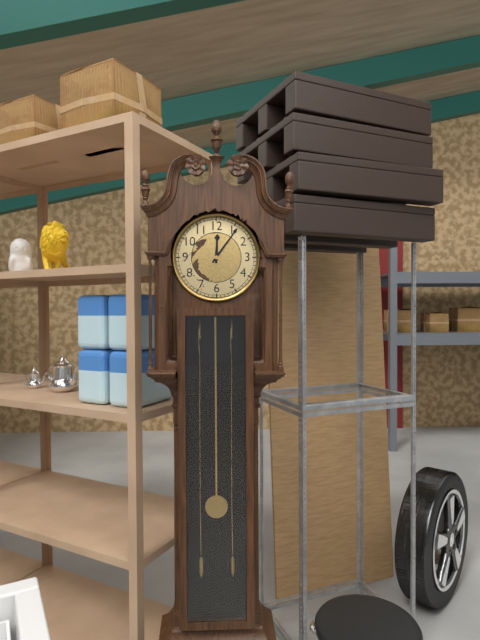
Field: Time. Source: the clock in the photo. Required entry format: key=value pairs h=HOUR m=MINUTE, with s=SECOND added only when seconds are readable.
h=12 m=6
